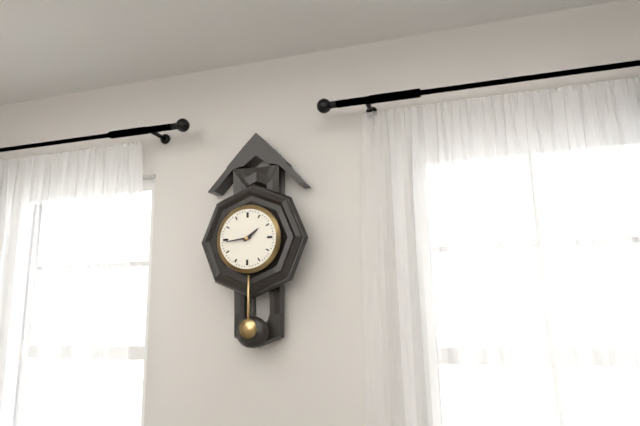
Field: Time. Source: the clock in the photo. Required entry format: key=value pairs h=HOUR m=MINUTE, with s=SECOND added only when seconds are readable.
h=1 m=44
